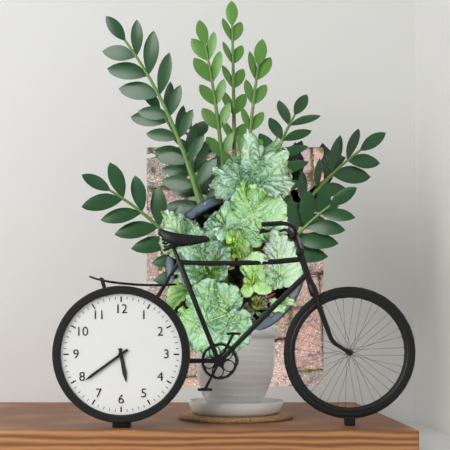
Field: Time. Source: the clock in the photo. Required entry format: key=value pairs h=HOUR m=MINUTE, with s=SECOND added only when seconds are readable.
h=5 m=39
